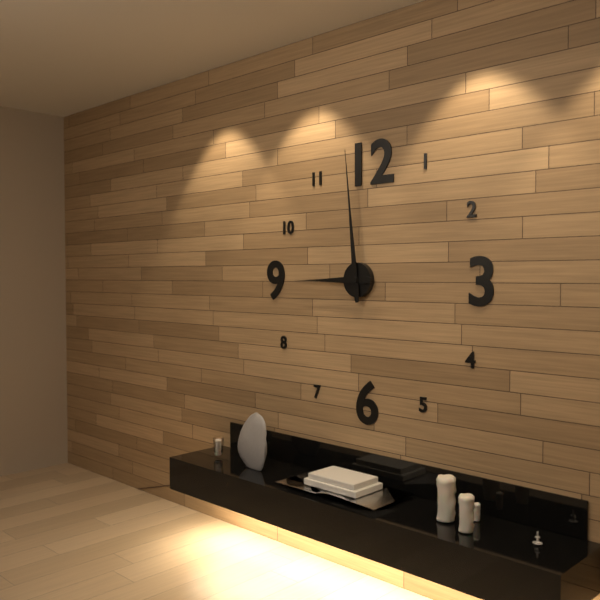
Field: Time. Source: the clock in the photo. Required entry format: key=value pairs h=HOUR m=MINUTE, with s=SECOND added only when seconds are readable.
h=8 m=59
